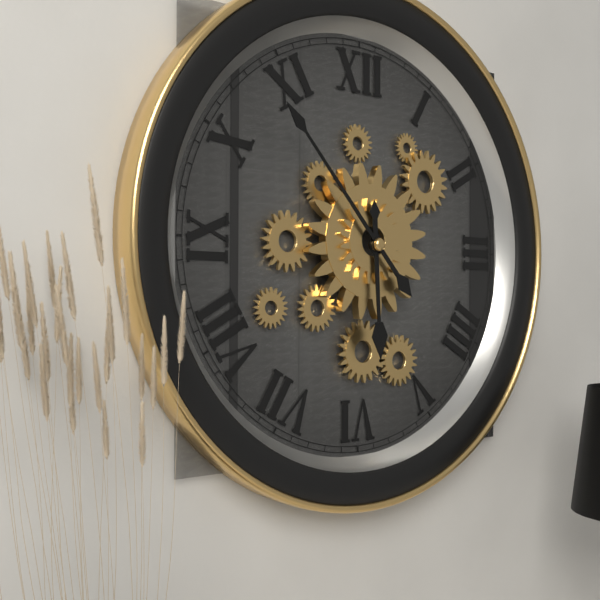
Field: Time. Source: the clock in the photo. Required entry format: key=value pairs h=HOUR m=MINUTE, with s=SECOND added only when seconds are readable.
h=5 m=53
